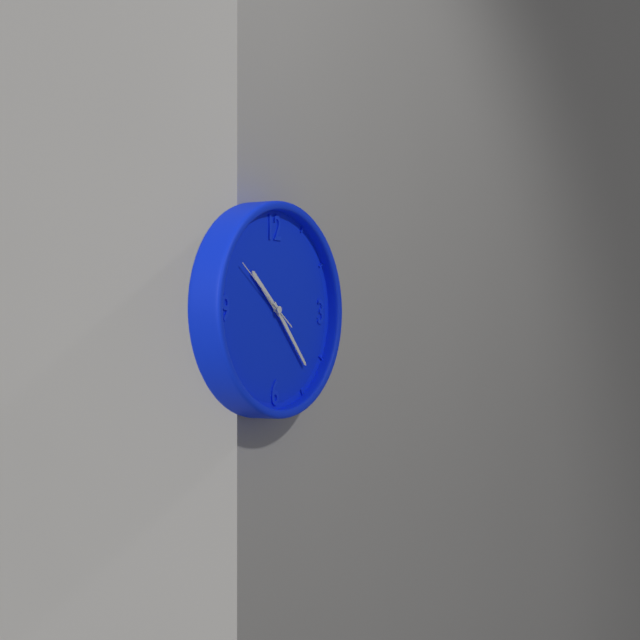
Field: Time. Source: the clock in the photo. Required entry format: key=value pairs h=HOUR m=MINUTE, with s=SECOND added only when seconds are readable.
h=10 m=23 s=51
